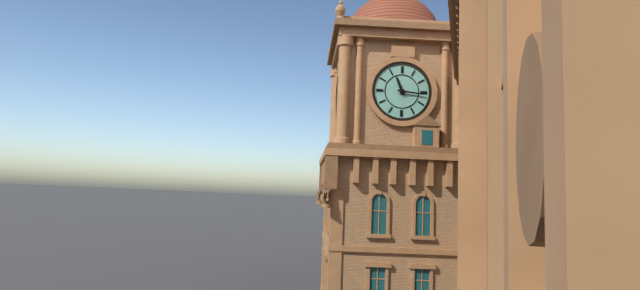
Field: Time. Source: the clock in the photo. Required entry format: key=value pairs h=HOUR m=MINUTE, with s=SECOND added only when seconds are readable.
h=11 m=16
